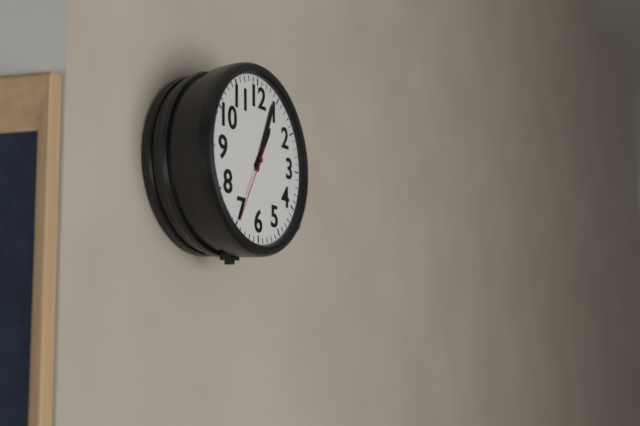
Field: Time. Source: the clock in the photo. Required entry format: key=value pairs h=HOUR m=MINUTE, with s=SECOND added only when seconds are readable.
h=1 m=4 s=35
